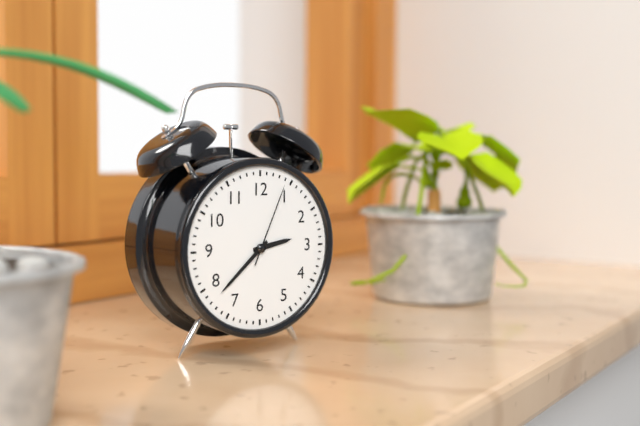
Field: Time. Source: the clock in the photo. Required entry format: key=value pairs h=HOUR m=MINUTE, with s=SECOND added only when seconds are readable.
h=2 m=38 s=4
